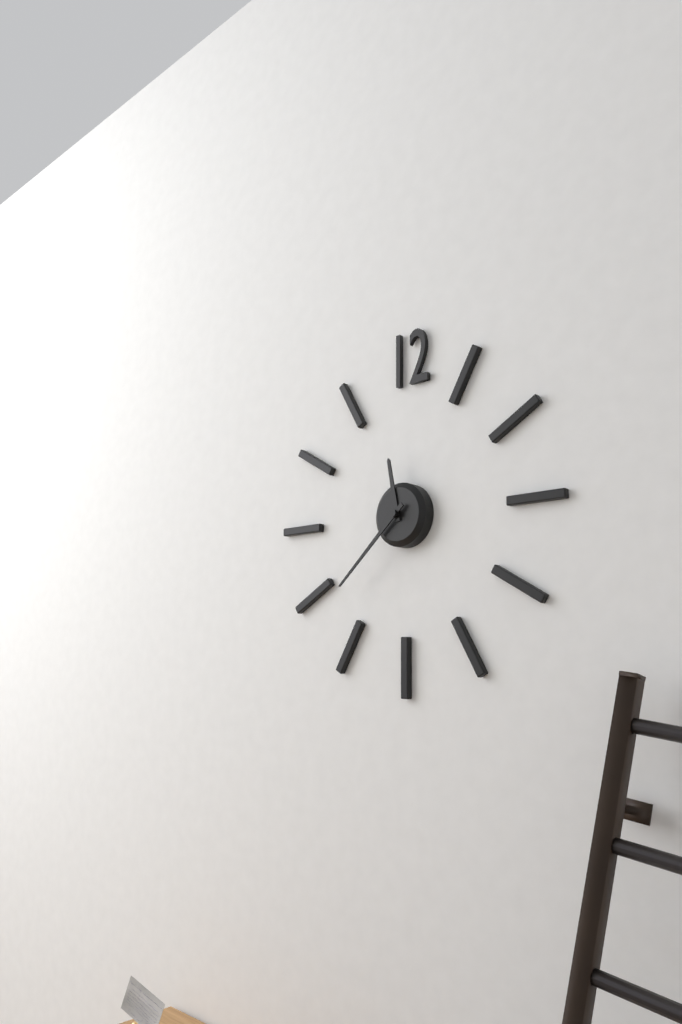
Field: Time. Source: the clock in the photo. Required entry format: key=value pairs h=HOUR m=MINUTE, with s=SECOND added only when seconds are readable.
h=11 m=38
